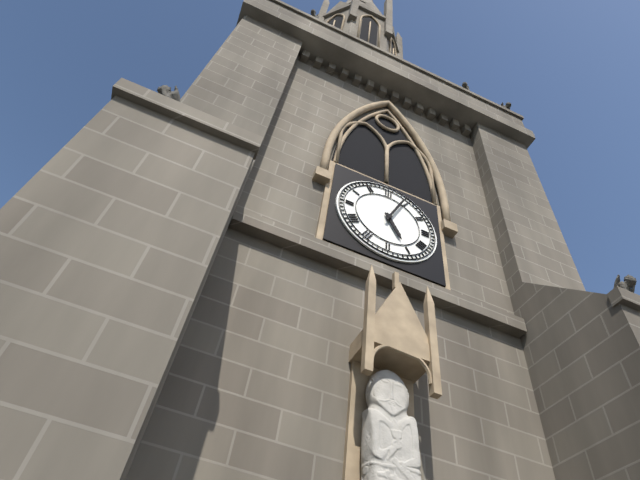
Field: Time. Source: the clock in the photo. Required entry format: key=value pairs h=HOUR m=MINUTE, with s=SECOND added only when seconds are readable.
h=5 m=4
